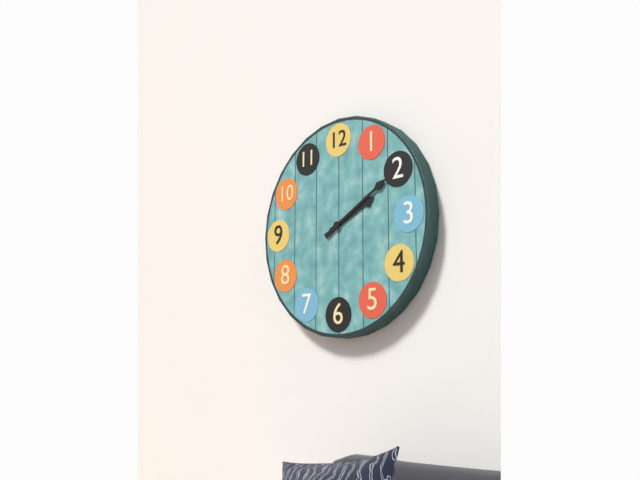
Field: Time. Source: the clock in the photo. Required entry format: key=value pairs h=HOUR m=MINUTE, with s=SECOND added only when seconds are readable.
h=2 m=10
